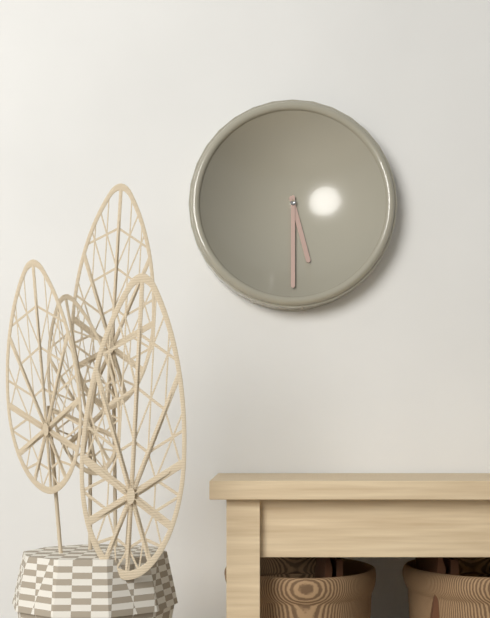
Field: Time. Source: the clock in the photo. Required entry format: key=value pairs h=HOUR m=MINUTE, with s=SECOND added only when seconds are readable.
h=5 m=30
